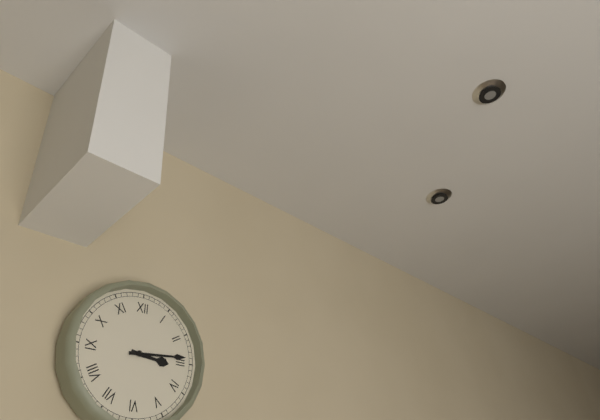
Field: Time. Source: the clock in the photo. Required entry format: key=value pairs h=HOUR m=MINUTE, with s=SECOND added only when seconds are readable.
h=3 m=14
